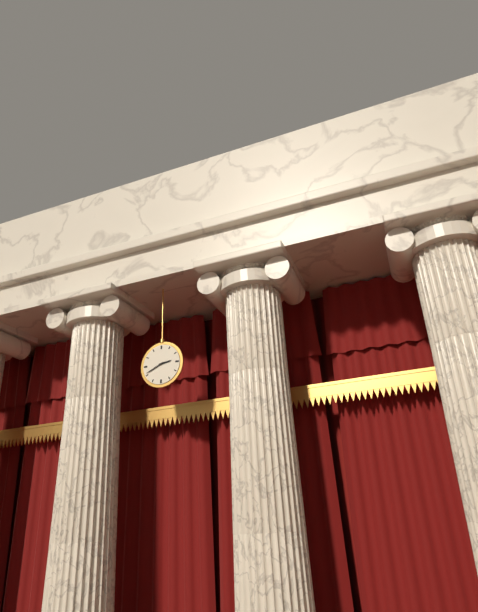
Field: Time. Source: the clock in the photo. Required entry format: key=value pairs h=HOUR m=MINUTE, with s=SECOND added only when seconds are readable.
h=2 m=41
